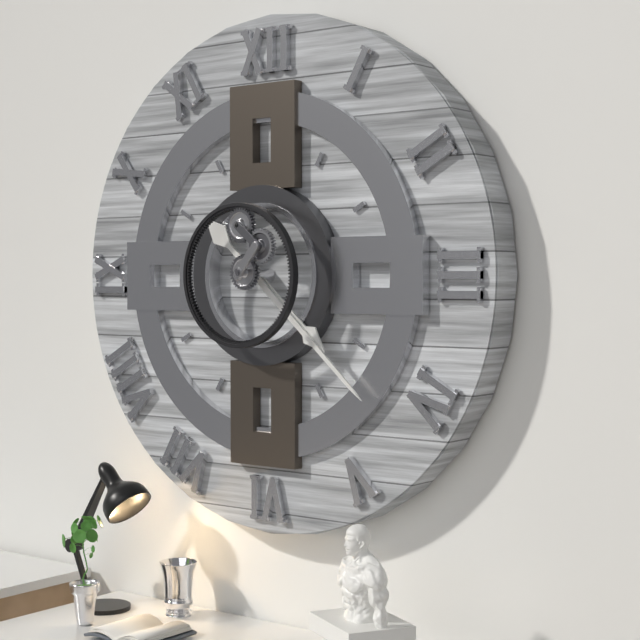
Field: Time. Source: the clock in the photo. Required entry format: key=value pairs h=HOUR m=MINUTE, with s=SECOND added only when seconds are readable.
h=4 m=22
